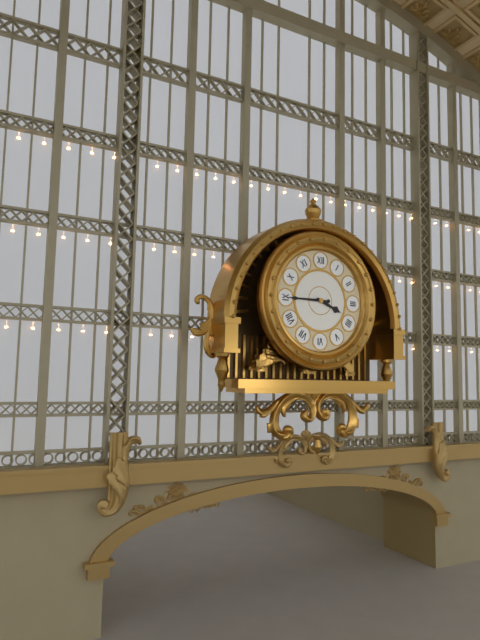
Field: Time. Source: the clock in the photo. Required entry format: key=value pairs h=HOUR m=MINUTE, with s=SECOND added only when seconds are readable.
h=3 m=45
